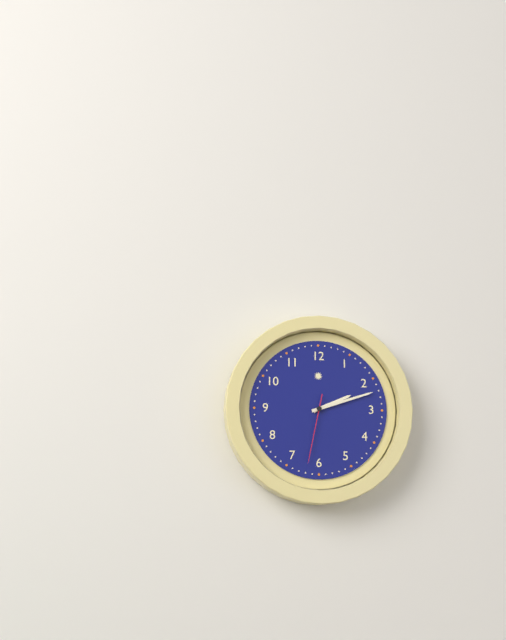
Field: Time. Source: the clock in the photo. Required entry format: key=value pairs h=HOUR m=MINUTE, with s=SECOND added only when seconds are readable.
h=2 m=12 s=32
